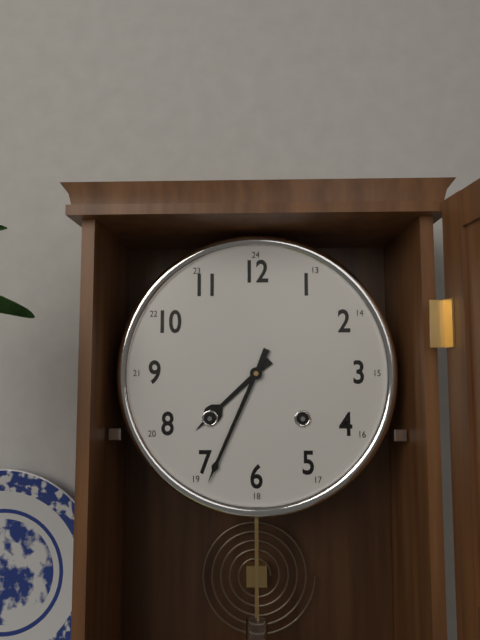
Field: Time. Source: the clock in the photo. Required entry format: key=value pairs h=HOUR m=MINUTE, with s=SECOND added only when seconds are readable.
h=7 m=34
